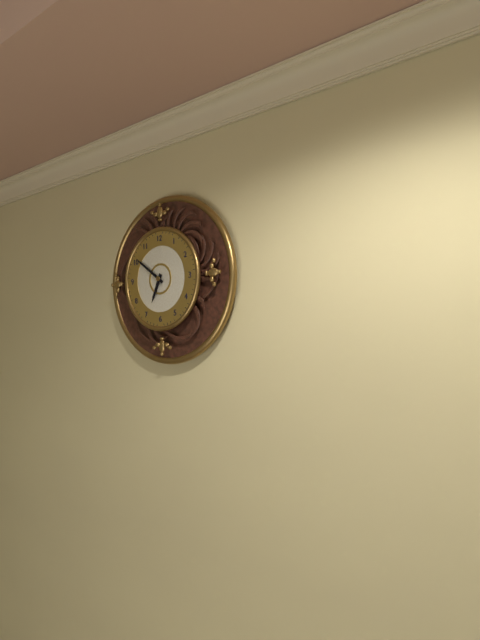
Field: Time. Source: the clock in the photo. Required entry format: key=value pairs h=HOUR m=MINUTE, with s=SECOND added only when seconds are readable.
h=6 m=51
